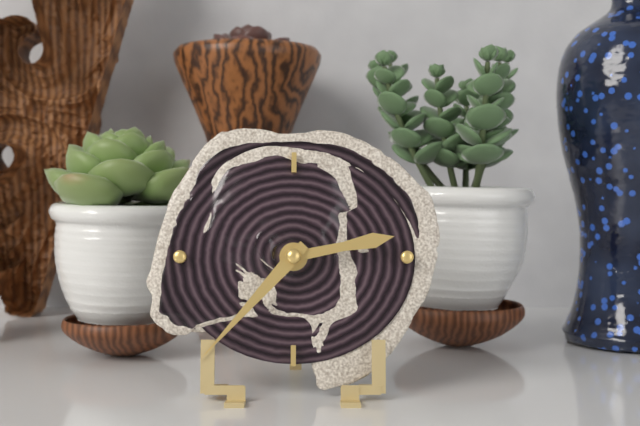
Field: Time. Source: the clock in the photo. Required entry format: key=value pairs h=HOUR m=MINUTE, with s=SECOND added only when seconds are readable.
h=2 m=37
